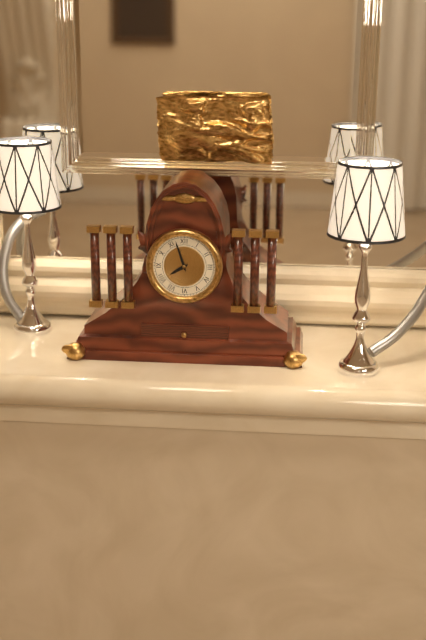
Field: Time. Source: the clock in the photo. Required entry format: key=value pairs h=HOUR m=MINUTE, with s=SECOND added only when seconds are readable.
h=7 m=57
